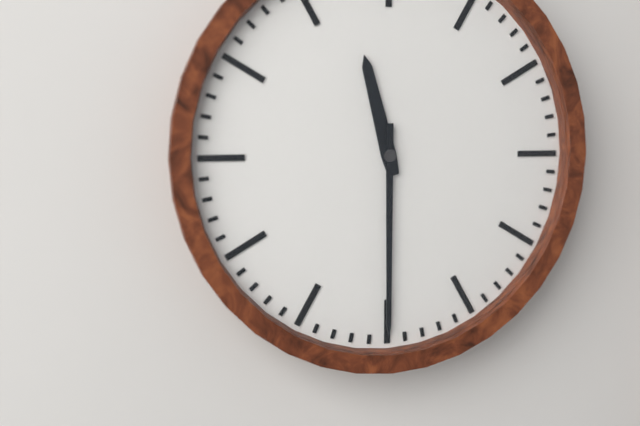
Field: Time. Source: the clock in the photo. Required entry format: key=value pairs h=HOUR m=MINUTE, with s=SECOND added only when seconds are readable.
h=11 m=30
